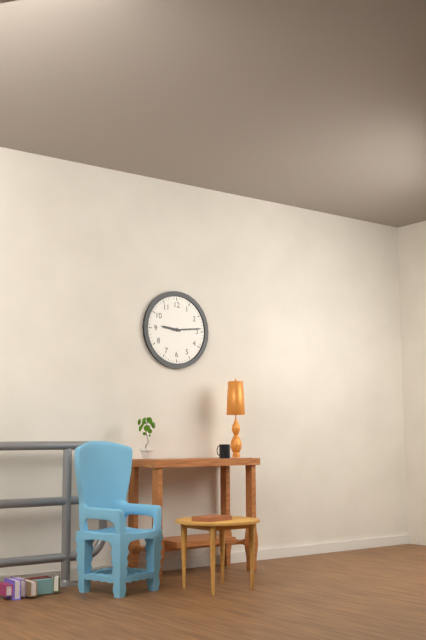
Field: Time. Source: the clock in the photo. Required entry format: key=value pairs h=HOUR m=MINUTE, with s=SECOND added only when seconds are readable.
h=9 m=14
